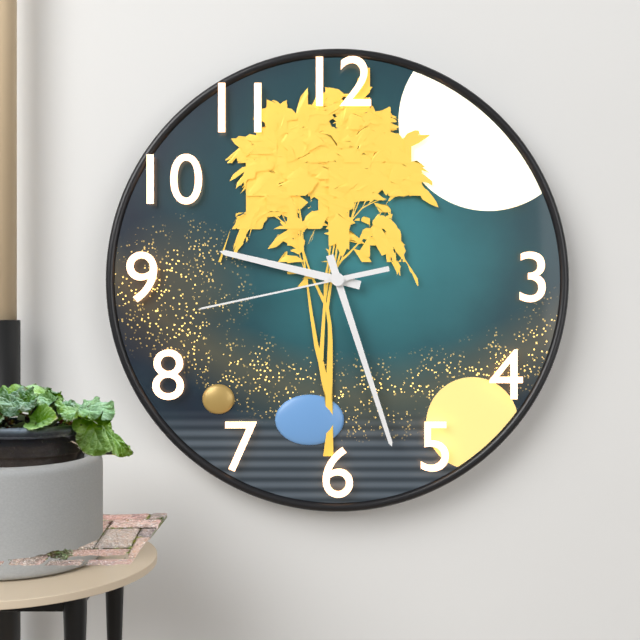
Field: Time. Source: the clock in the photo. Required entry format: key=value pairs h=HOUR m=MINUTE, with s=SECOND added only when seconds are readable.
h=9 m=27 s=43
